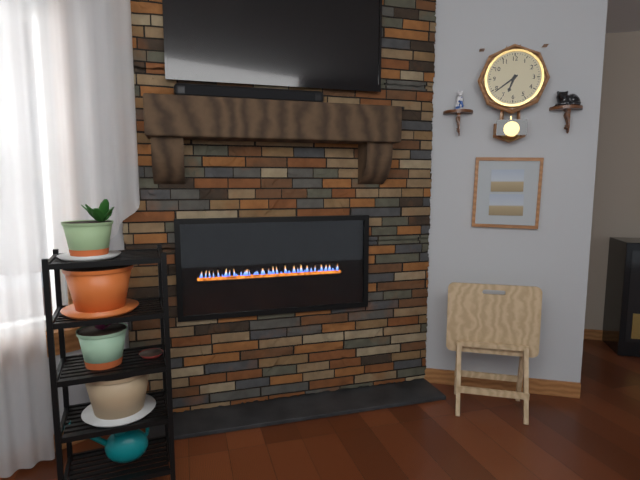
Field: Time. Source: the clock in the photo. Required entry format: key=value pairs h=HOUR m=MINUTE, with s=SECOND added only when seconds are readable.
h=6 m=39
